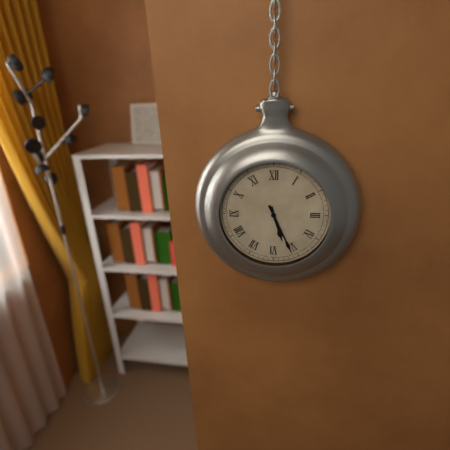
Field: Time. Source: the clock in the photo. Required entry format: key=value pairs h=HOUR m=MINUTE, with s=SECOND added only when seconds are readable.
h=5 m=26
